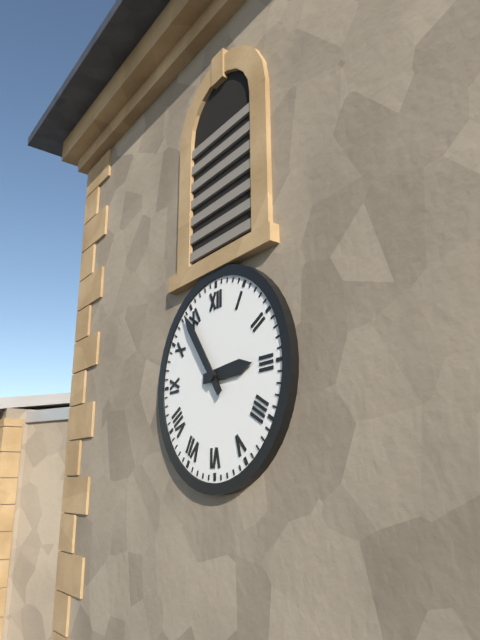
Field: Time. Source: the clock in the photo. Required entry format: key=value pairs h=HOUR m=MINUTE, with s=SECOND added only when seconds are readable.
h=2 m=54
